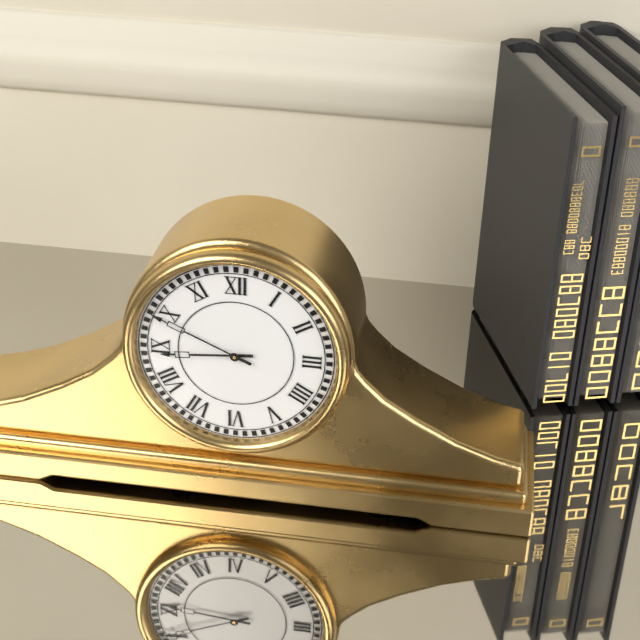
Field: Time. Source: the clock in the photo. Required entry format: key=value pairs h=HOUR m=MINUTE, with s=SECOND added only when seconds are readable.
h=8 m=49
